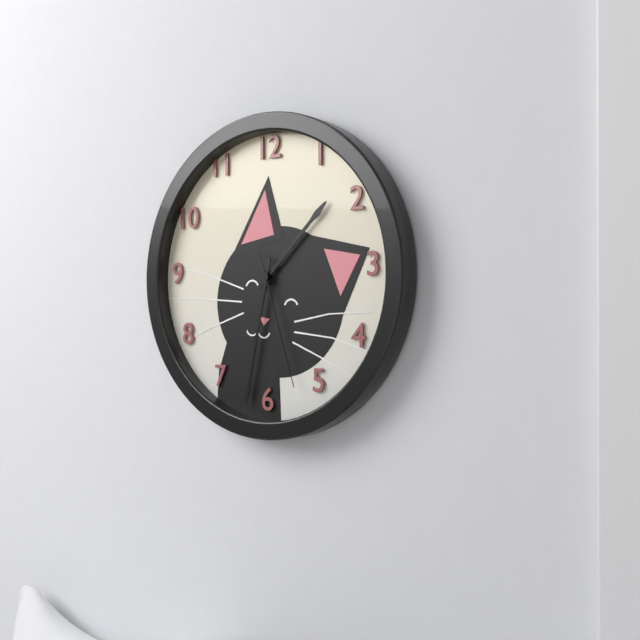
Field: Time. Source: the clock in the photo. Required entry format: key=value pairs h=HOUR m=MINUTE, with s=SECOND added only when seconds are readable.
h=1 m=32 s=27
